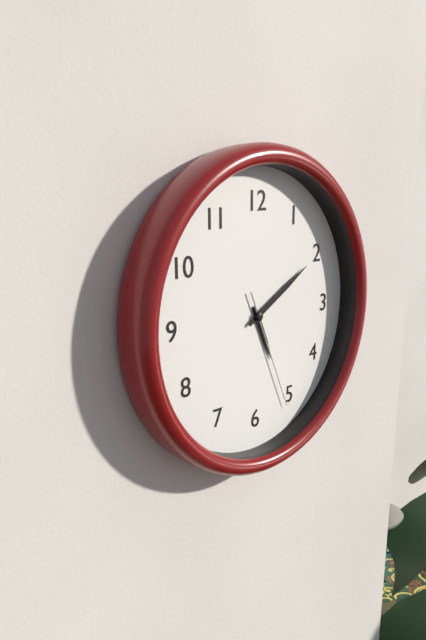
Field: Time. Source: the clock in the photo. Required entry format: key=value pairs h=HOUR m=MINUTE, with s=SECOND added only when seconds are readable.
h=5 m=10 s=26
